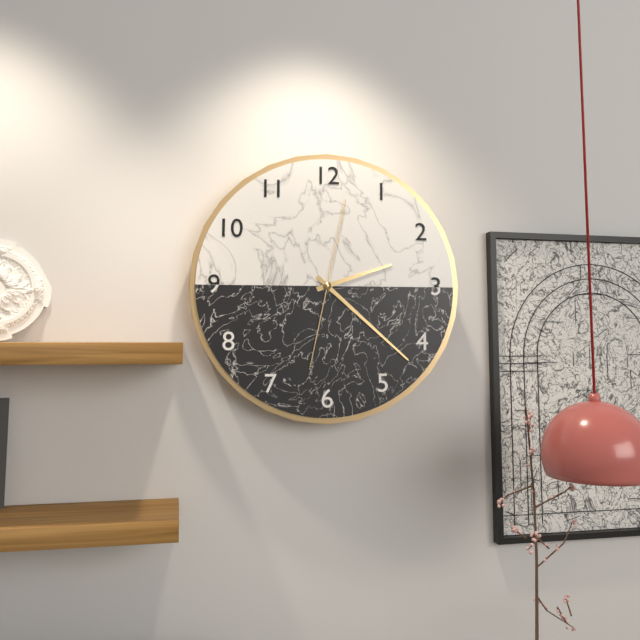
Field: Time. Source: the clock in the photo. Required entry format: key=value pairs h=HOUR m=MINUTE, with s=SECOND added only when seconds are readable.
h=2 m=22 s=2
